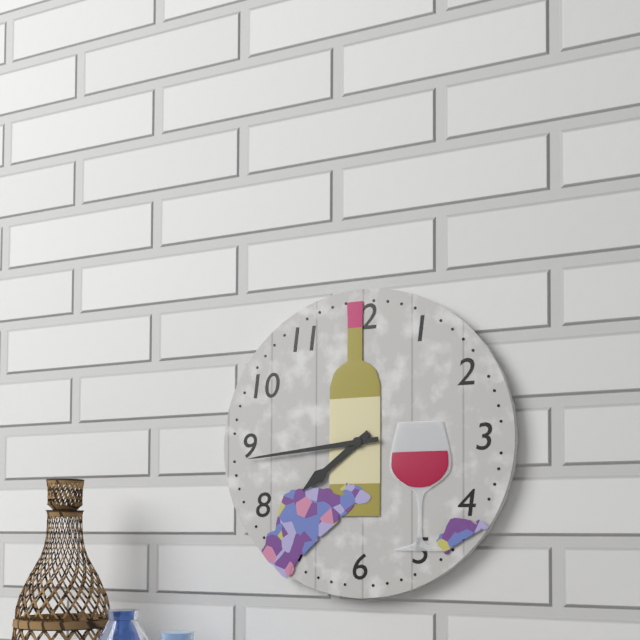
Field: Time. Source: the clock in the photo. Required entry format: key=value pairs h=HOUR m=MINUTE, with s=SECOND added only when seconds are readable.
h=7 m=44
